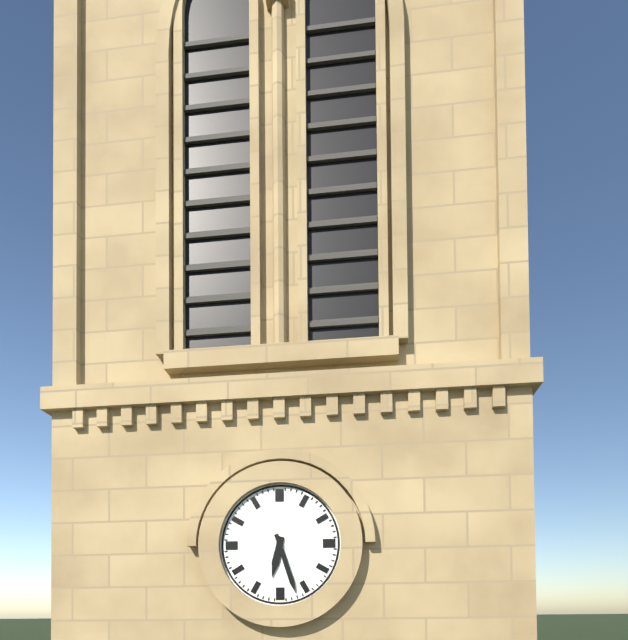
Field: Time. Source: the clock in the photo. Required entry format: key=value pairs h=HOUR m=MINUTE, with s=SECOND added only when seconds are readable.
h=6 m=27
